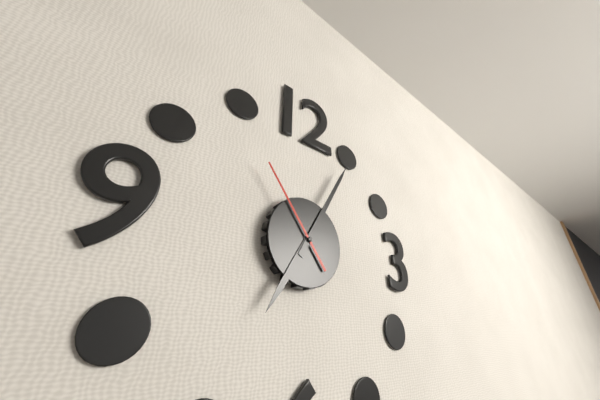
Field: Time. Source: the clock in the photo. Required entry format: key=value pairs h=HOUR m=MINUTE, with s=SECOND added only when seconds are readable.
h=7 m=5 s=54
